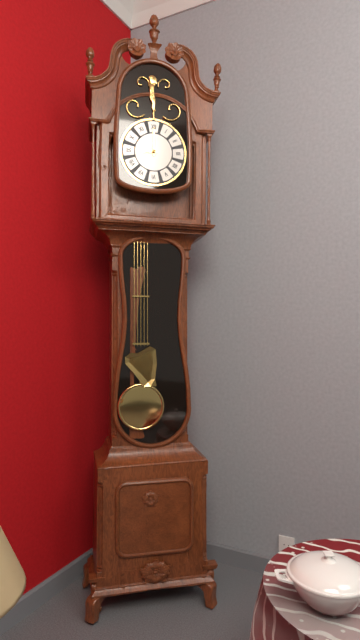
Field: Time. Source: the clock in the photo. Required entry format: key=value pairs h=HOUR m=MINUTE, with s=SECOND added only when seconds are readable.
h=9 m=0
